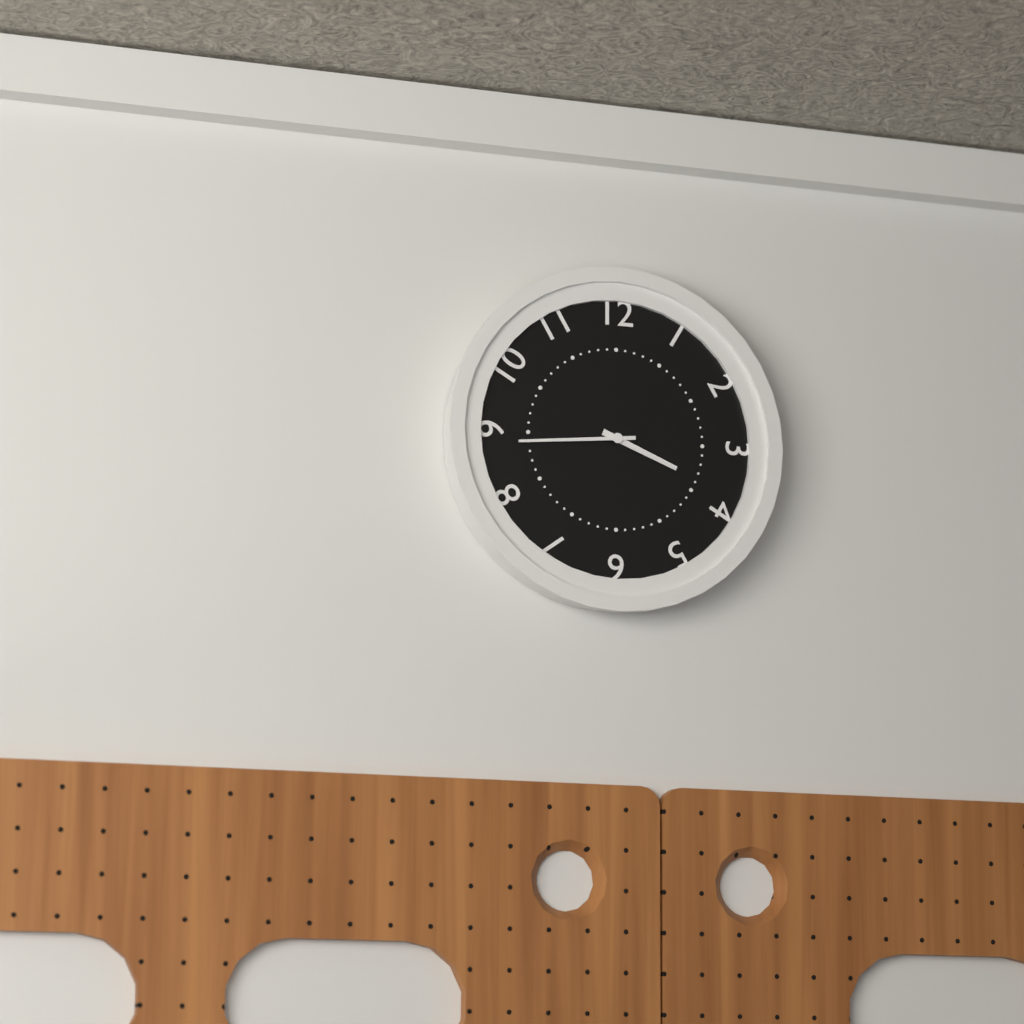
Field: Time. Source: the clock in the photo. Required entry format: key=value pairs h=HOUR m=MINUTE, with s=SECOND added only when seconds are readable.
h=3 m=44
